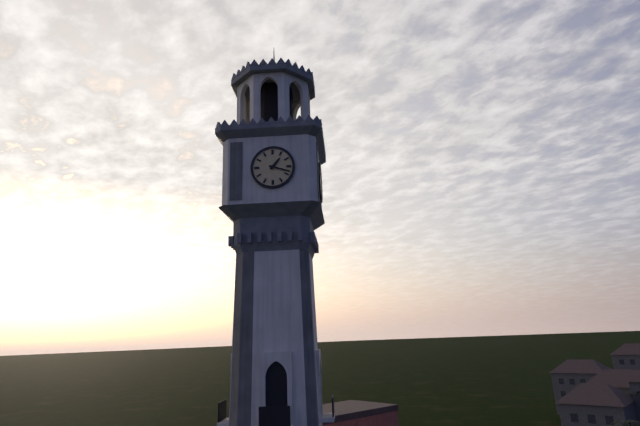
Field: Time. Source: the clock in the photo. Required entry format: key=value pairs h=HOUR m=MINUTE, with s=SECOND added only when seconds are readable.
h=1 m=18
